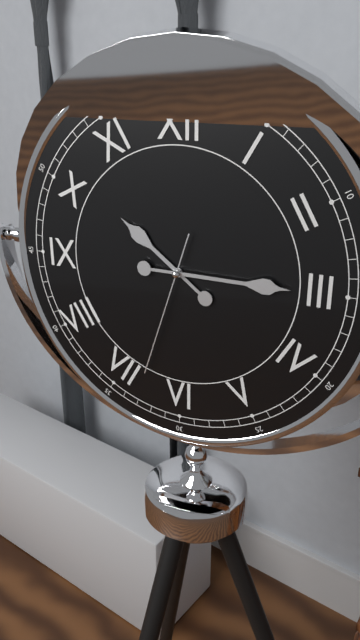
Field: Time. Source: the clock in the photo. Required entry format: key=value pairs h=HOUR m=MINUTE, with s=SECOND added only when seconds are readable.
h=10 m=15 s=33
